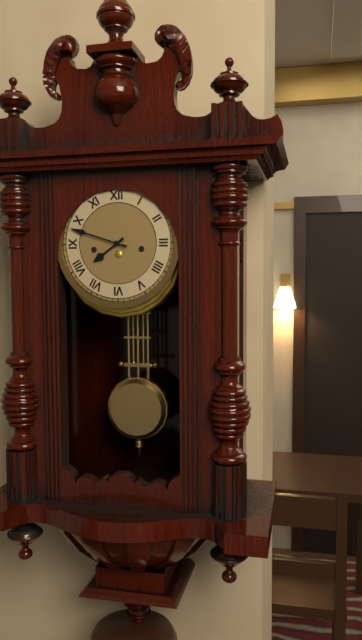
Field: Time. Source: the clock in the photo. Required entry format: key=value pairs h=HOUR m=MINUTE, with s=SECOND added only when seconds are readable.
h=7 m=48
